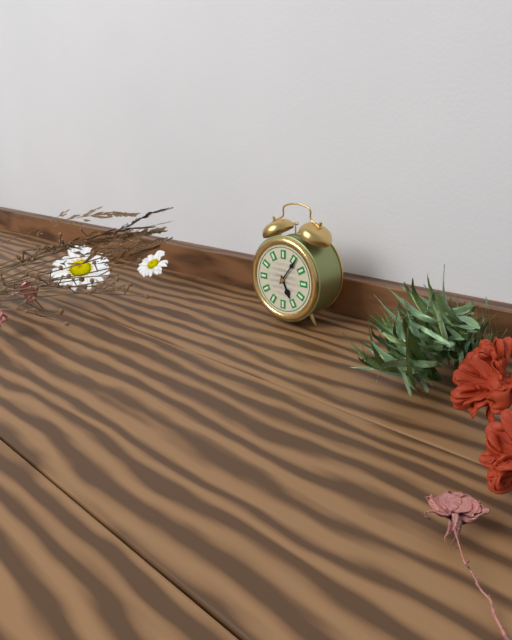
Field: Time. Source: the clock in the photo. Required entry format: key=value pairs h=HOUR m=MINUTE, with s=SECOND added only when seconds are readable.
h=5 m=6
